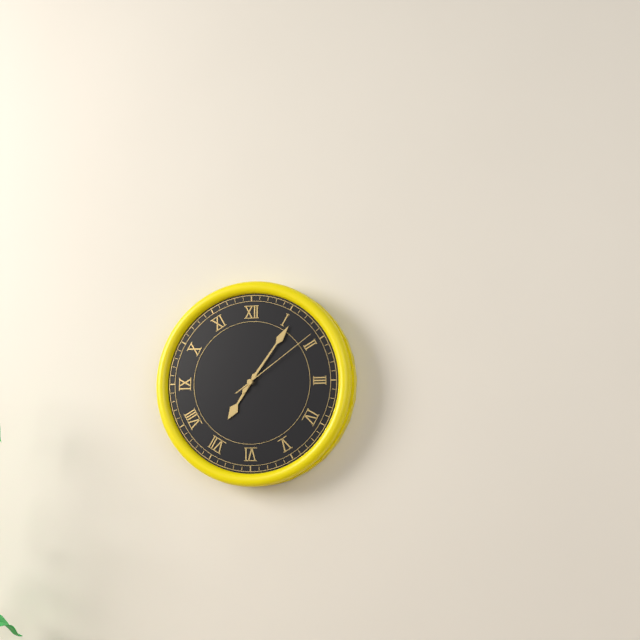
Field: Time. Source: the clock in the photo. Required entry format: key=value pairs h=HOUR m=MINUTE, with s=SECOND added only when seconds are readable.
h=7 m=6 s=9
